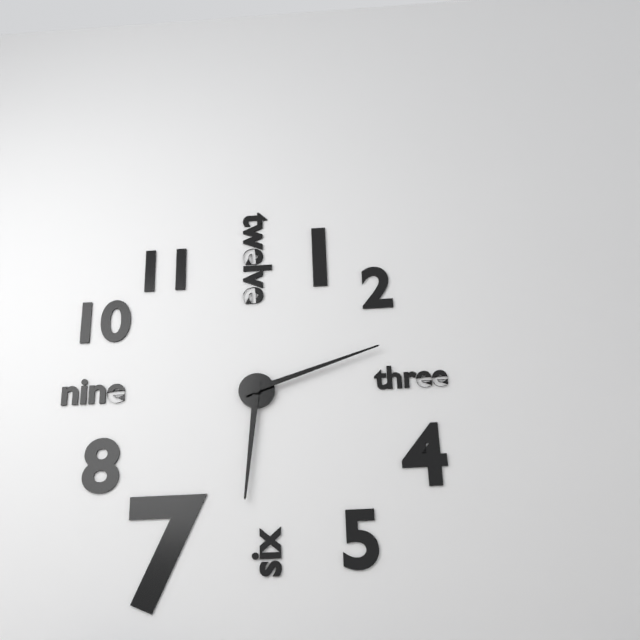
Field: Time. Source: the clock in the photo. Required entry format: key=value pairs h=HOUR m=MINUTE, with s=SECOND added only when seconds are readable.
h=6 m=12
